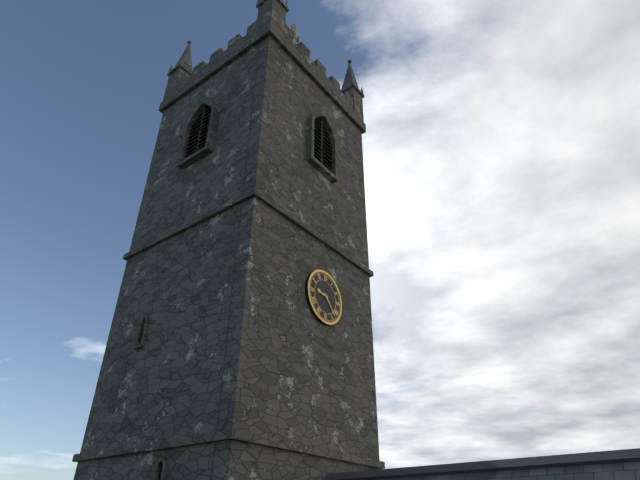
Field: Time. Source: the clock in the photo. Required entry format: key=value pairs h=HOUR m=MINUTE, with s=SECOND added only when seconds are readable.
h=9 m=23
